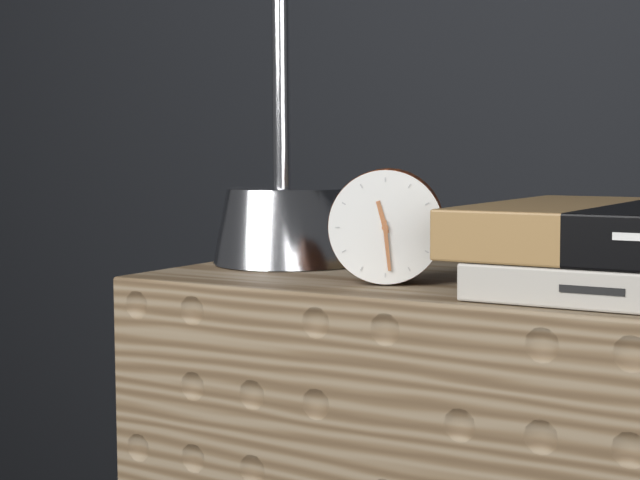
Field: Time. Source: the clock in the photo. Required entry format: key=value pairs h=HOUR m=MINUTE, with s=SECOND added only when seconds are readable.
h=11 m=29
